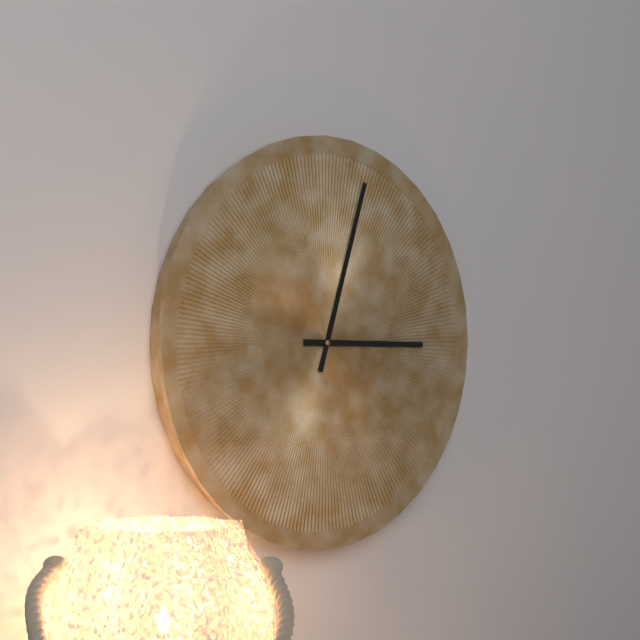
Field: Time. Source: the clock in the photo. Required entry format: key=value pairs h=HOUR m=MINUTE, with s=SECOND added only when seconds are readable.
h=3 m=3
